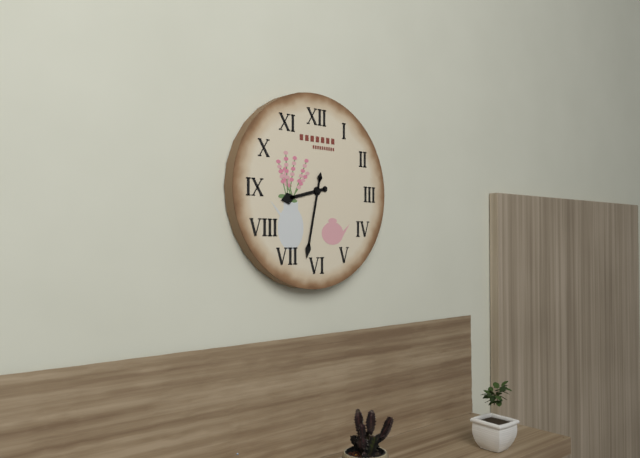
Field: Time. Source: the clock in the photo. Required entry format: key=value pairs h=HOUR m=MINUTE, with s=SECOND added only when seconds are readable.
h=8 m=32
